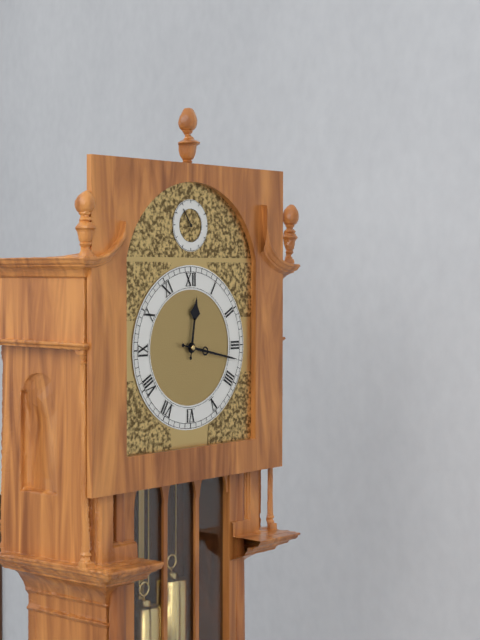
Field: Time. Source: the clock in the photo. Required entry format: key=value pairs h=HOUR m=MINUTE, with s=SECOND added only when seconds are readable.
h=12 m=17
